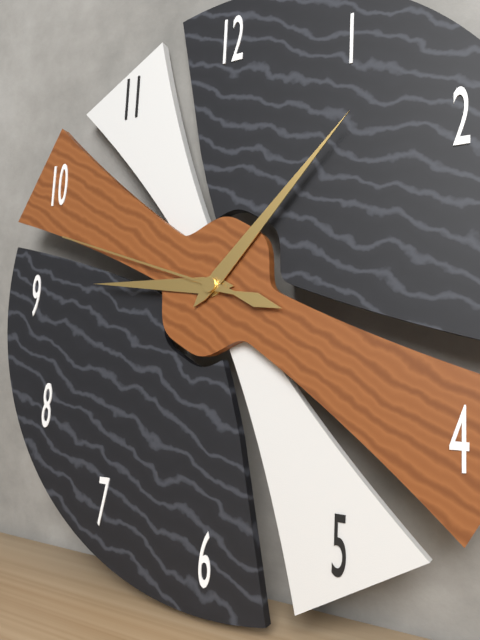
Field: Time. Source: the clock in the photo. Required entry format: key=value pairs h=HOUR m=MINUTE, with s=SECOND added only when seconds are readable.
h=9 m=7 s=48
